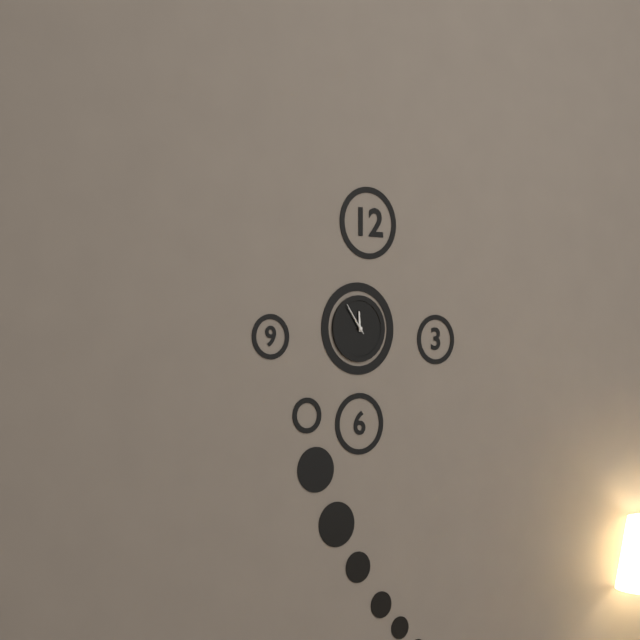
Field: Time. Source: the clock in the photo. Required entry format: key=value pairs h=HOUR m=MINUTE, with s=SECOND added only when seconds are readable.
h=11 m=54
